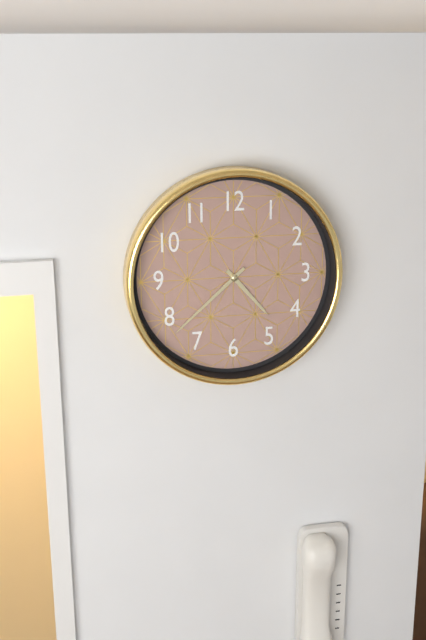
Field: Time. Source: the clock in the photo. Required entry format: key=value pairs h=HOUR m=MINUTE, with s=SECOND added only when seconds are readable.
h=4 m=38
